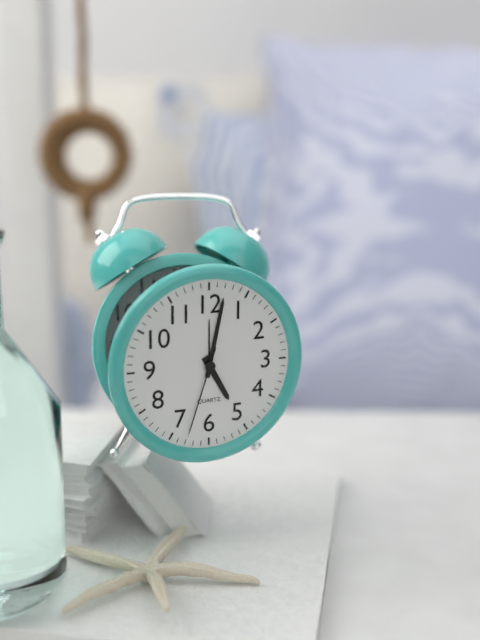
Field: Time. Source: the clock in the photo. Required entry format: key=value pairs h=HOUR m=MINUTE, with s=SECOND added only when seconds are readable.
h=5 m=2 s=33
